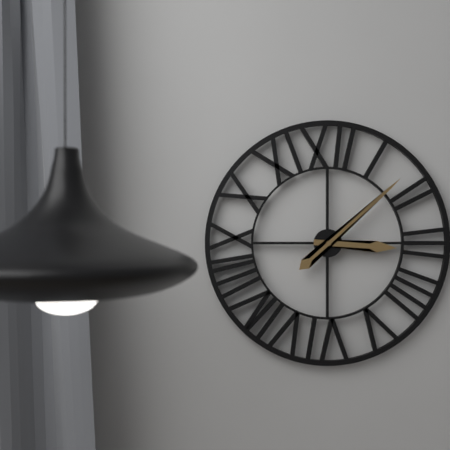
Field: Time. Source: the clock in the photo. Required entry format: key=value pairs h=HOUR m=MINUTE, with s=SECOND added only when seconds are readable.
h=3 m=8
